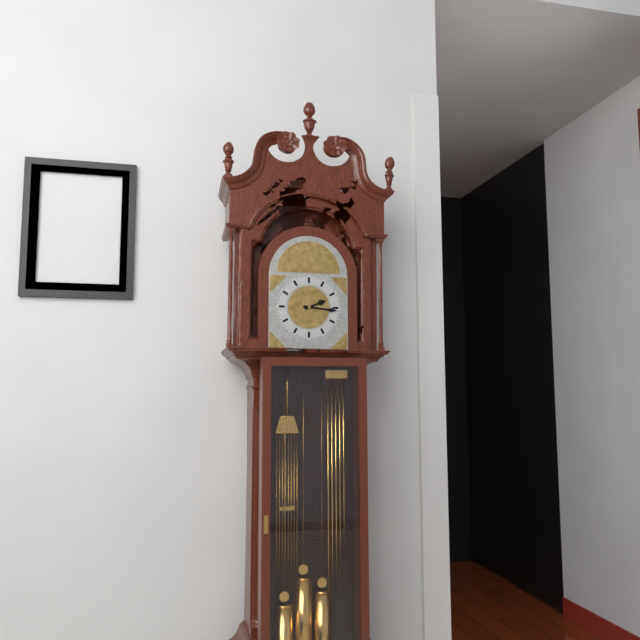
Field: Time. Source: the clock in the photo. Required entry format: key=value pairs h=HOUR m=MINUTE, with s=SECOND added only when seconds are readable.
h=2 m=16
